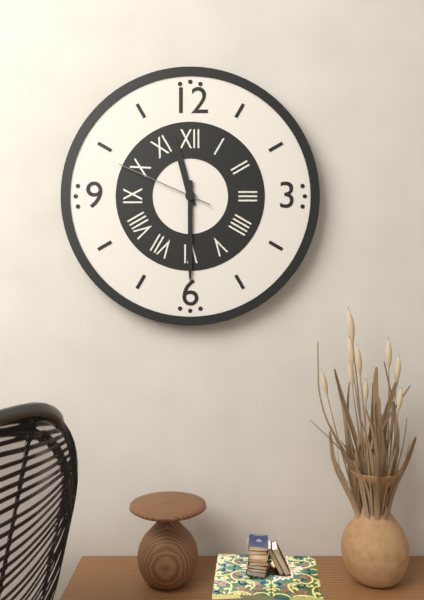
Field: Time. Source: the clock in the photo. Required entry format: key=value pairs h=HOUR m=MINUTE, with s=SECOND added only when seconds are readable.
h=11 m=30 s=49
